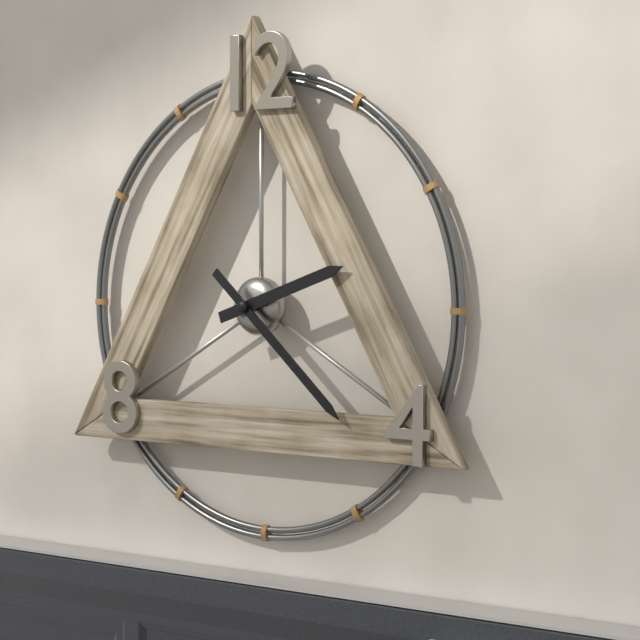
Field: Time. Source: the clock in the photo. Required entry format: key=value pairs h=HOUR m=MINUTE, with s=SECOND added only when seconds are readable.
h=2 m=22
